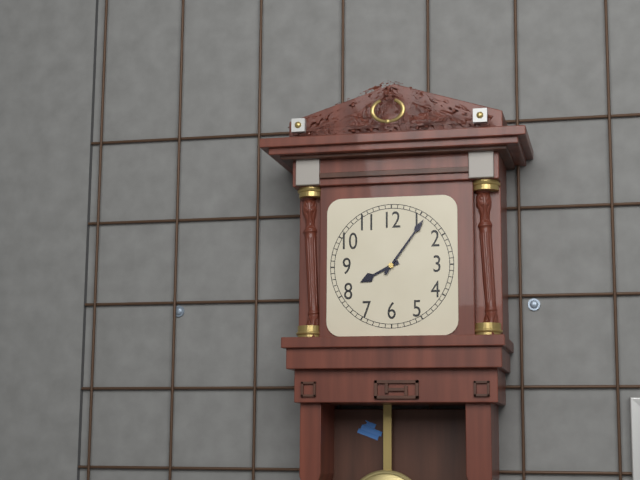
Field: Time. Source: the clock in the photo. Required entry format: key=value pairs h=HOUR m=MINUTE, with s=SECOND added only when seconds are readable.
h=8 m=6
